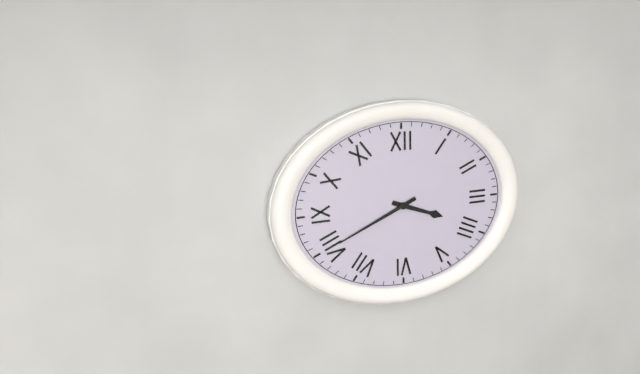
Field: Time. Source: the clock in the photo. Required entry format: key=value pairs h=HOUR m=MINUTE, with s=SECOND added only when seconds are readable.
h=3 m=41
